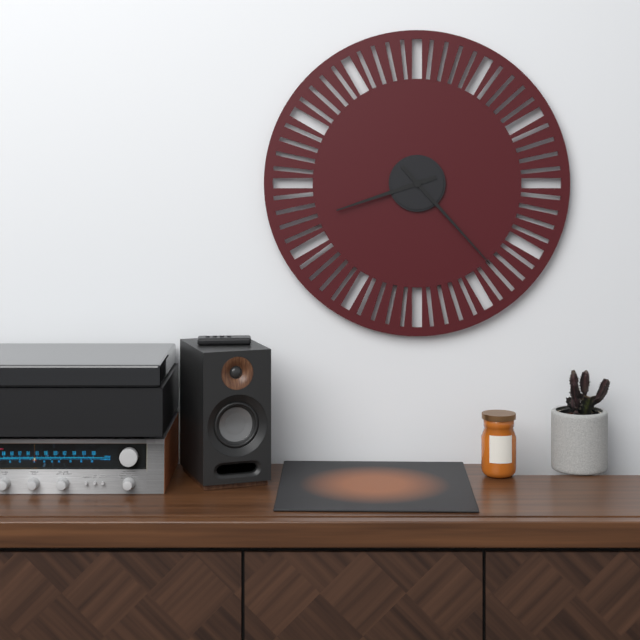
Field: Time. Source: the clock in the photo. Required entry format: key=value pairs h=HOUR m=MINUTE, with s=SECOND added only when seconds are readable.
h=8 m=23
